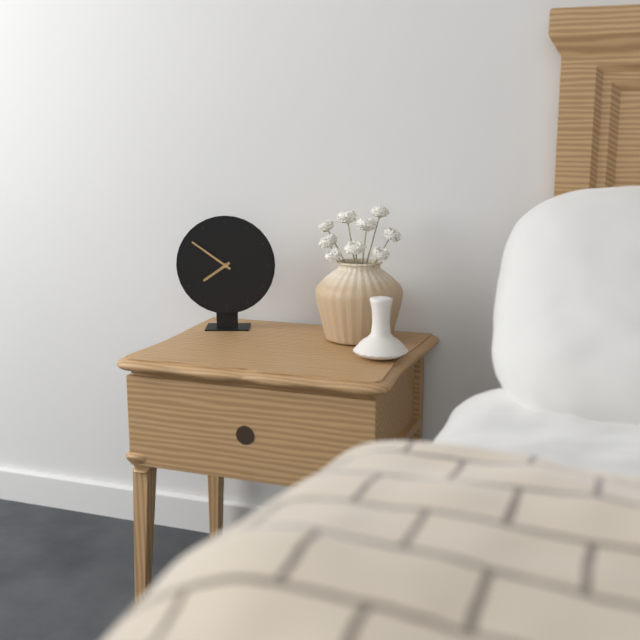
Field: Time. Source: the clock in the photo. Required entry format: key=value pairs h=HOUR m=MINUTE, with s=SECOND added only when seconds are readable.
h=7 m=51
